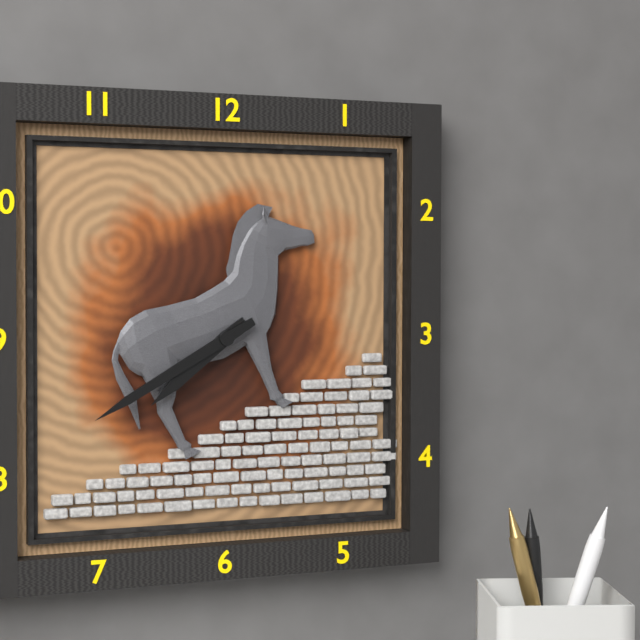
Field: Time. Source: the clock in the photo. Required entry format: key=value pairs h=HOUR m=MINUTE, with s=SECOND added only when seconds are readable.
h=7 m=40
